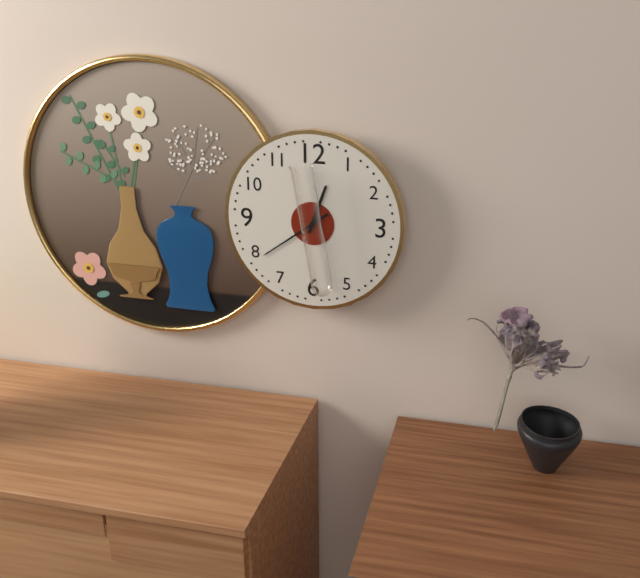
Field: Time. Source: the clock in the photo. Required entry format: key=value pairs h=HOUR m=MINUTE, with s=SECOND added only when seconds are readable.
h=12 m=39
